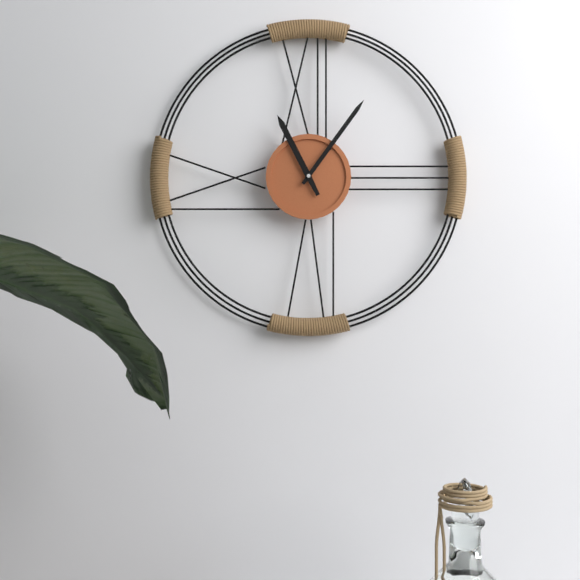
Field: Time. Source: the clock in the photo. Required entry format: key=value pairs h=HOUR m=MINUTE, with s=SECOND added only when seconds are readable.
h=11 m=6
